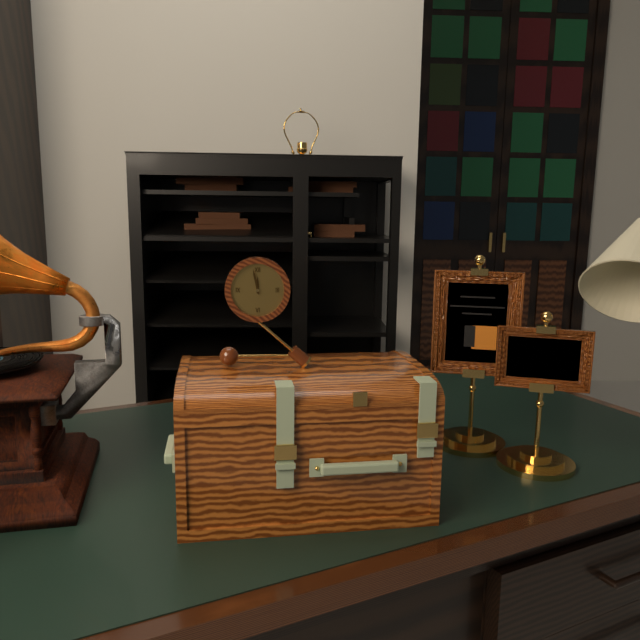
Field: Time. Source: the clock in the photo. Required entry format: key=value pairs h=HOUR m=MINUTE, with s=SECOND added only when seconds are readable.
h=11 m=58
